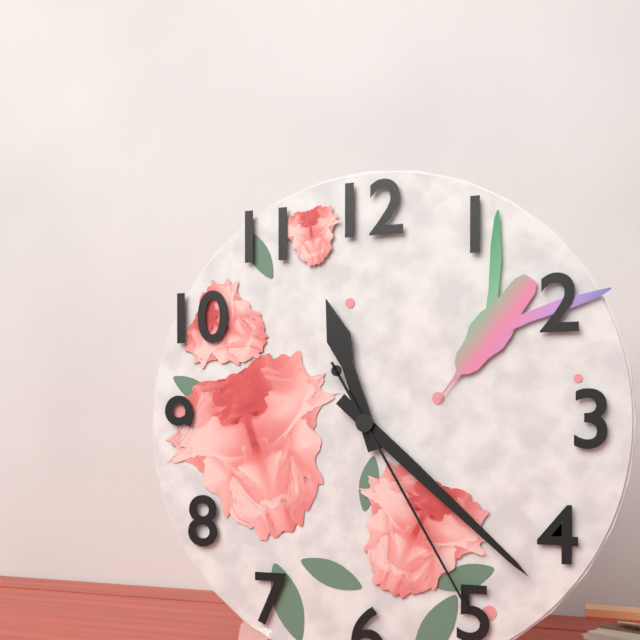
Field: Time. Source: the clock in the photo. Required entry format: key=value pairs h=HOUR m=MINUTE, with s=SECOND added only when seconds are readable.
h=11 m=22 s=25
